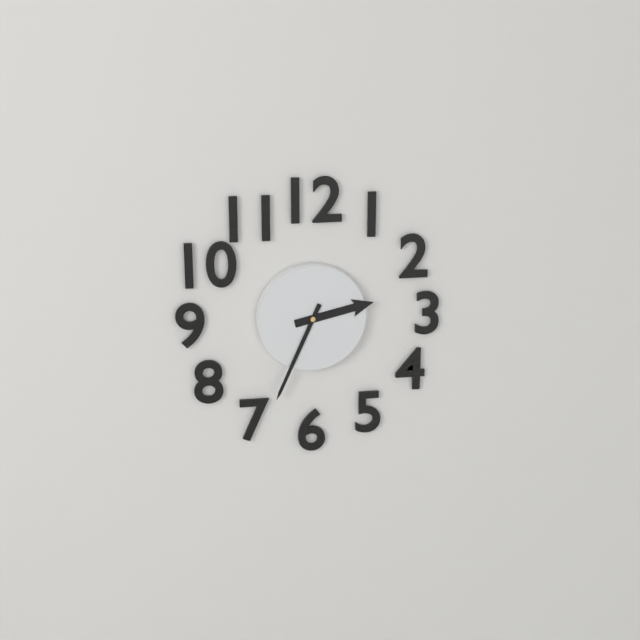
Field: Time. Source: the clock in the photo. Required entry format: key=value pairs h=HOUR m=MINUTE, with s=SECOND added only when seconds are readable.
h=2 m=34
